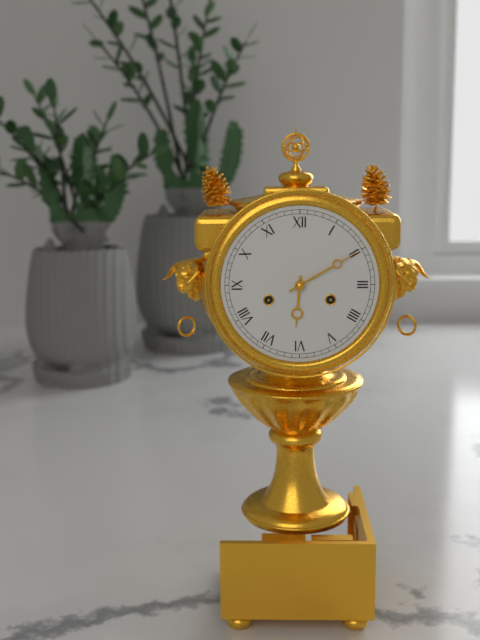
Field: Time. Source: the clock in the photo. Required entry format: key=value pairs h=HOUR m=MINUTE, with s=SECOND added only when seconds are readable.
h=6 m=10
